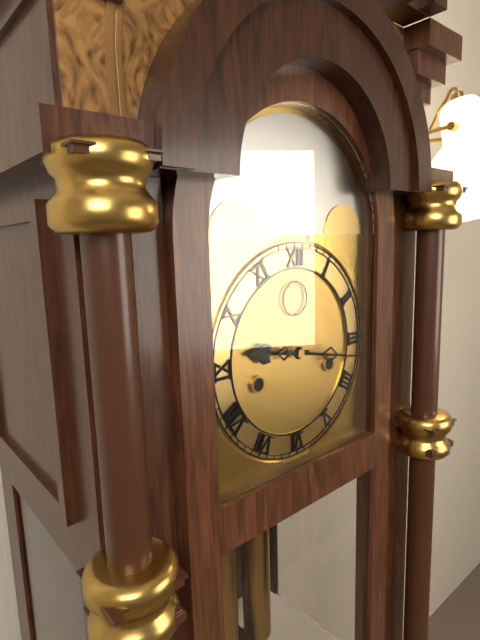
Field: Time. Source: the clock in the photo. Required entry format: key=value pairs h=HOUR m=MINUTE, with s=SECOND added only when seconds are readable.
h=9 m=17
